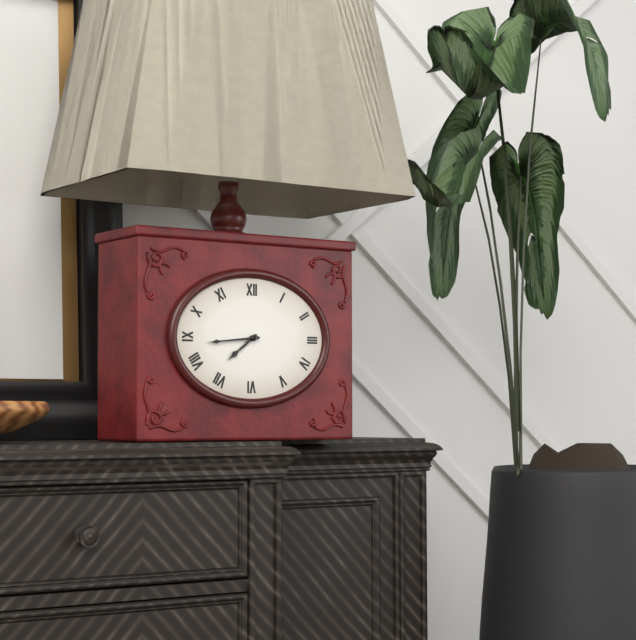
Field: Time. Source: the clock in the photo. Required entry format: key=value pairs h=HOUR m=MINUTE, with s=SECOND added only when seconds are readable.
h=7 m=44
